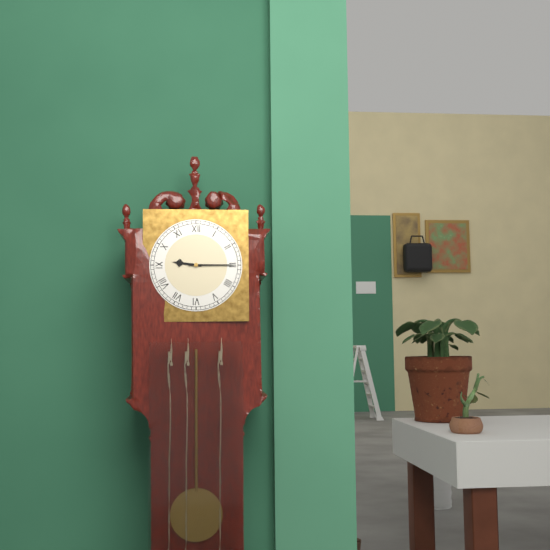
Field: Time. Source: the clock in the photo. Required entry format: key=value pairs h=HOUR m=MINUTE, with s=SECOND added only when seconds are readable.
h=9 m=15
